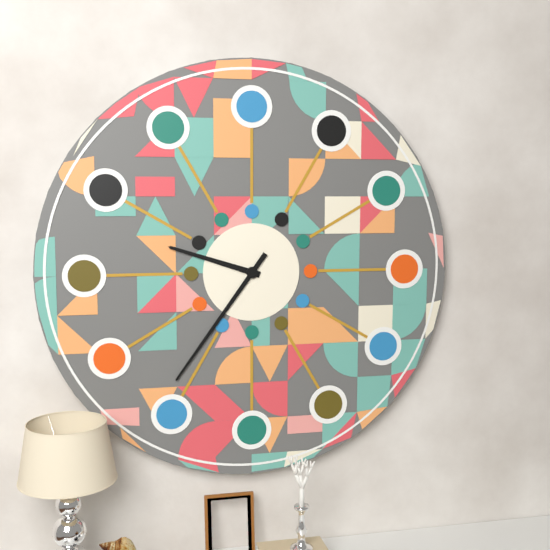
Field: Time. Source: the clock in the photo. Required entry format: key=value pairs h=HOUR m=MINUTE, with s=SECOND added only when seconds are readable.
h=9 m=36
